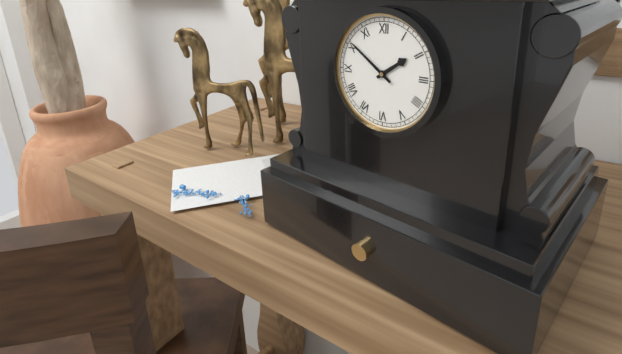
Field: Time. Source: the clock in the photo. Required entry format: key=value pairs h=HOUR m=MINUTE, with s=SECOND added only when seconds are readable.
h=1 m=51
